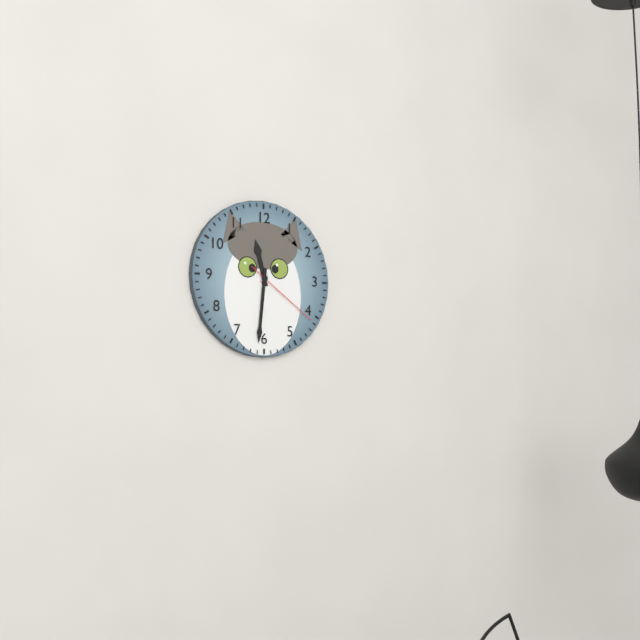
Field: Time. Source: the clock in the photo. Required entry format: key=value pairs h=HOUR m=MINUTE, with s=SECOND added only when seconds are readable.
h=11 m=31 s=21
